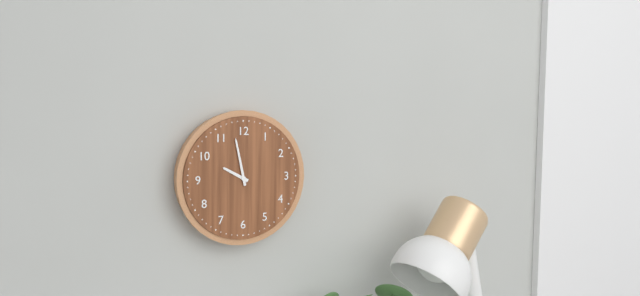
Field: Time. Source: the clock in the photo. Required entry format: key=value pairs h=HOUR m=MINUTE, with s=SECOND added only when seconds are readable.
h=9 m=58
